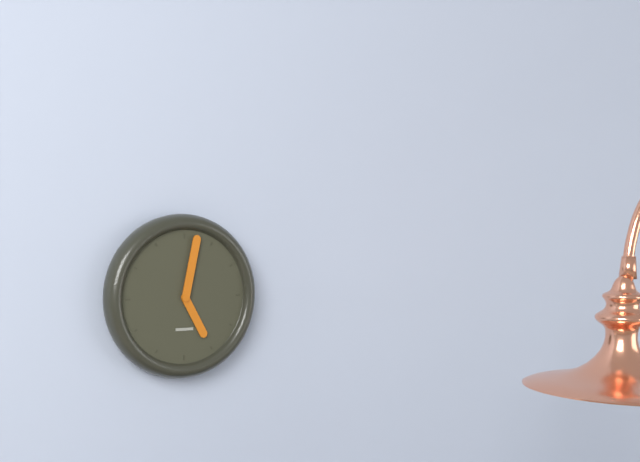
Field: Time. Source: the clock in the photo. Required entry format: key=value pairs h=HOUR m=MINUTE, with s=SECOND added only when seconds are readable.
h=5 m=2
